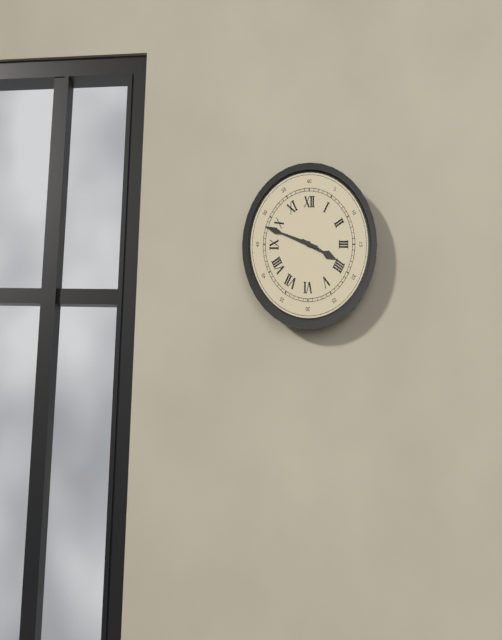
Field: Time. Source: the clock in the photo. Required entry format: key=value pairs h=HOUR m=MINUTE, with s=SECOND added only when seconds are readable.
h=3 m=48
